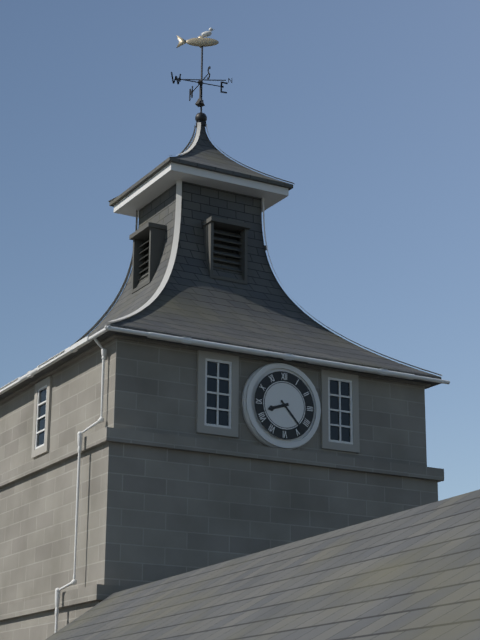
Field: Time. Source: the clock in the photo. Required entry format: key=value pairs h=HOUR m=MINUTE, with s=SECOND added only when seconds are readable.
h=8 m=23
